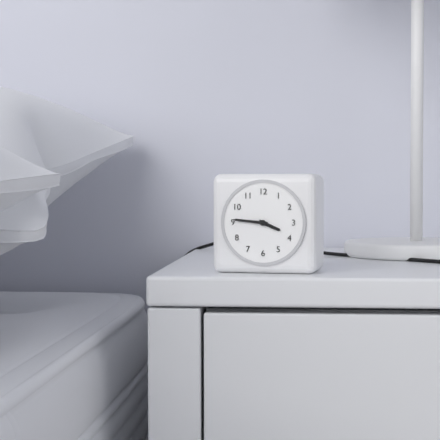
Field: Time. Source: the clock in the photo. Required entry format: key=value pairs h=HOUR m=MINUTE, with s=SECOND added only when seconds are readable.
h=3 m=46
